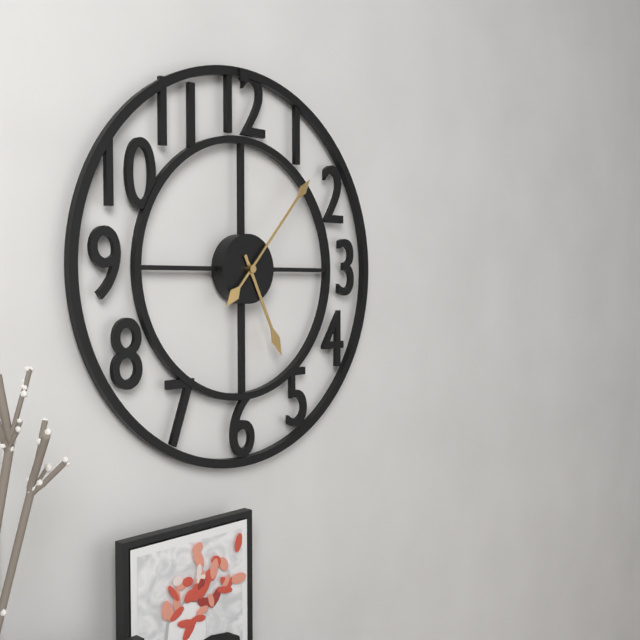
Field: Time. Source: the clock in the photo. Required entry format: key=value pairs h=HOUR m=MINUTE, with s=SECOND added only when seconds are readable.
h=5 m=7
